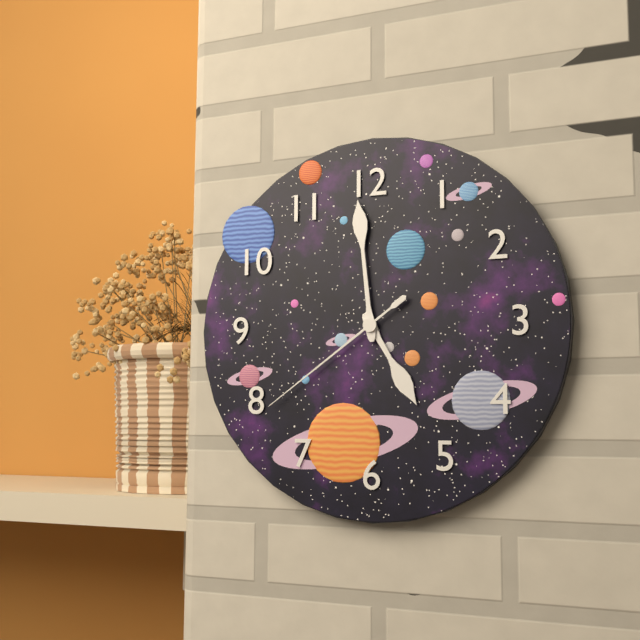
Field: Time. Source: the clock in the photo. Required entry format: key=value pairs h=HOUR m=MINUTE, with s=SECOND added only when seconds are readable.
h=4 m=59 s=39
